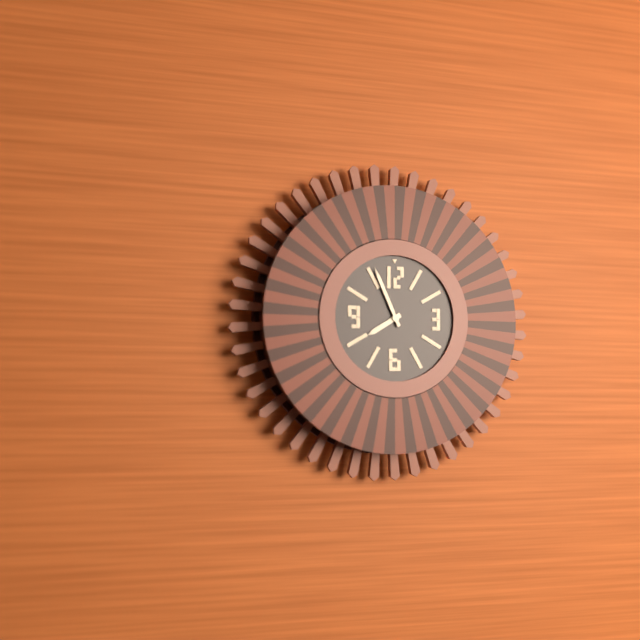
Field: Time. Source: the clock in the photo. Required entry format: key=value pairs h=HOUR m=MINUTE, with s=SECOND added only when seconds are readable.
h=7 m=56
